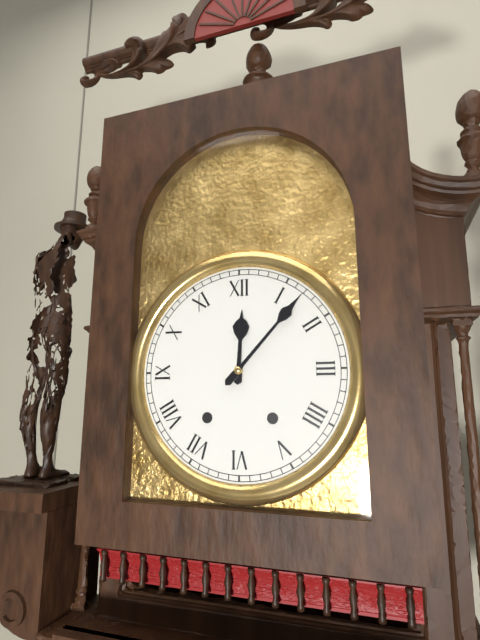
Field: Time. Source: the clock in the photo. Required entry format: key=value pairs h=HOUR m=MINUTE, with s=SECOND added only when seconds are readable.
h=12 m=7
